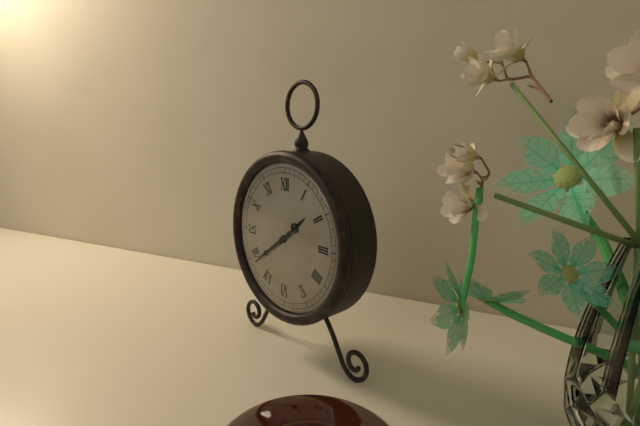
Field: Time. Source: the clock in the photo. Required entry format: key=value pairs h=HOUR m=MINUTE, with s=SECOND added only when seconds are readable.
h=1 m=39
